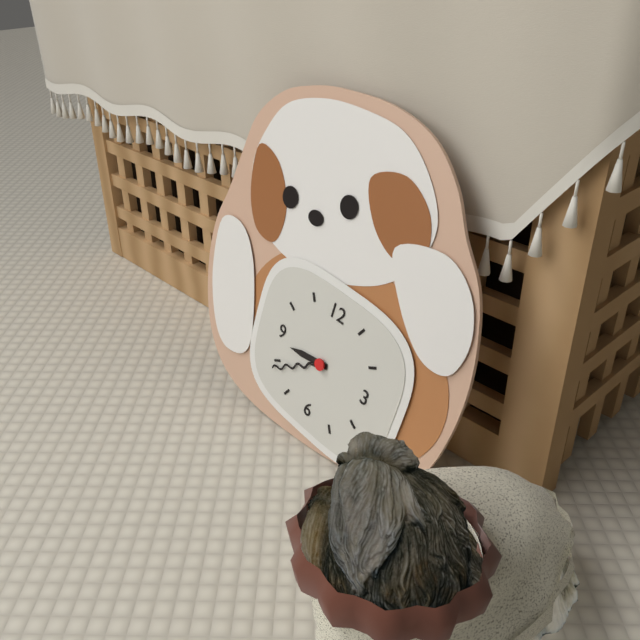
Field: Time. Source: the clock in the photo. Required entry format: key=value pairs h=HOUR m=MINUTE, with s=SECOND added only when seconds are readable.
h=8 m=39
